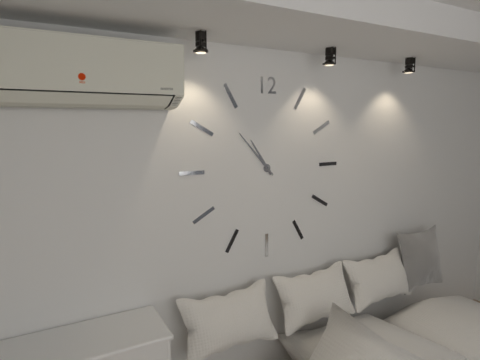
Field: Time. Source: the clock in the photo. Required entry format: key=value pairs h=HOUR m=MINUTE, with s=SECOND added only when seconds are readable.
h=10 m=53
